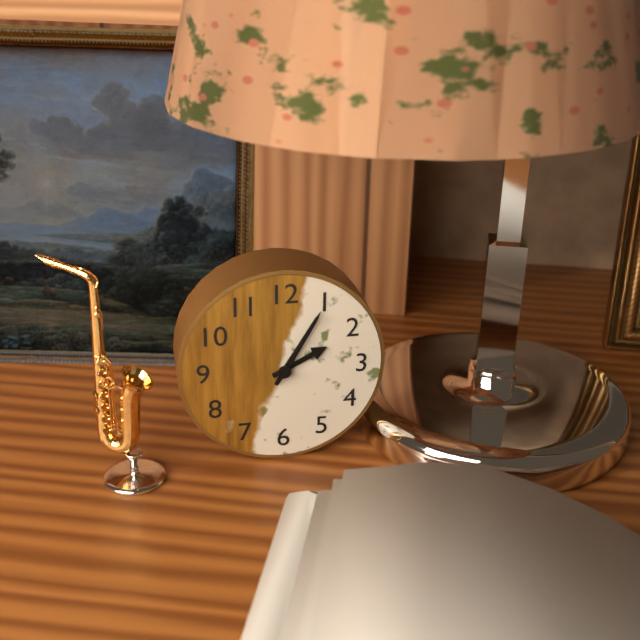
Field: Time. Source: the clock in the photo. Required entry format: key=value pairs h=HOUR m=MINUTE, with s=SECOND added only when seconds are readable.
h=2 m=5
